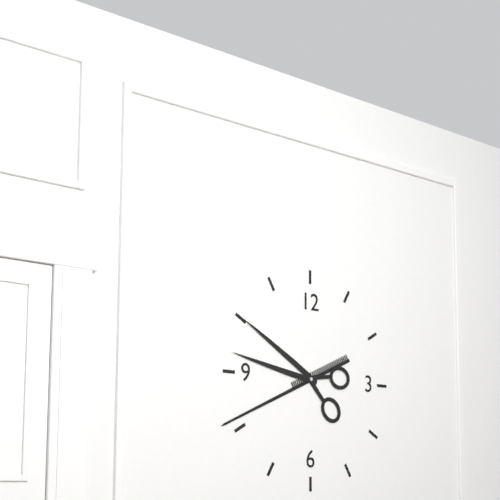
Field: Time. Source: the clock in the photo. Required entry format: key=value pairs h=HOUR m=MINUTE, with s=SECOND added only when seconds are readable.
h=9 m=41
